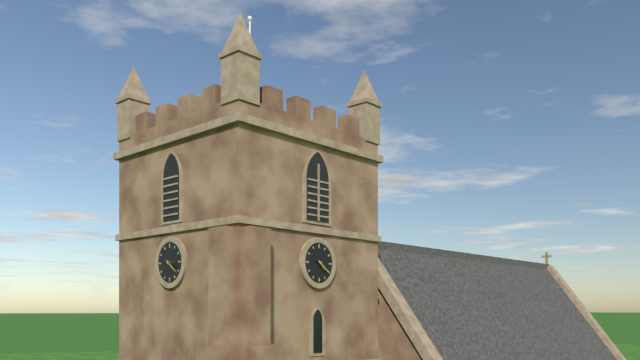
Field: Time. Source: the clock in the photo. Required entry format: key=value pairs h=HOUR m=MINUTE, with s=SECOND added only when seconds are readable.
h=4 m=21
